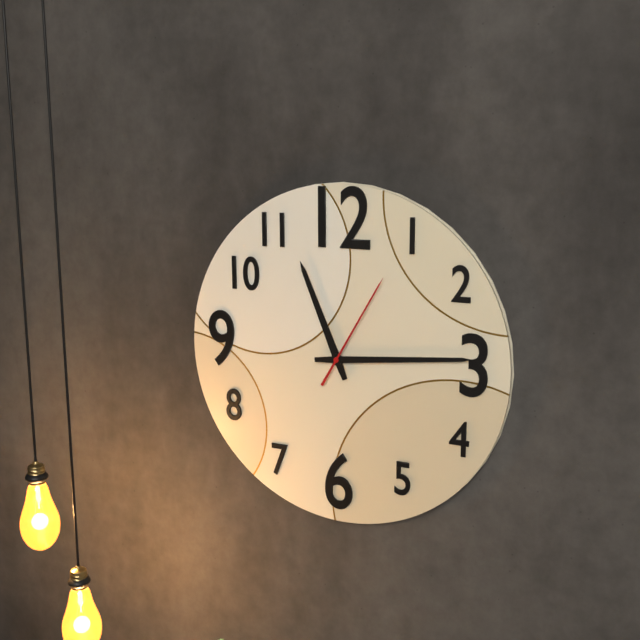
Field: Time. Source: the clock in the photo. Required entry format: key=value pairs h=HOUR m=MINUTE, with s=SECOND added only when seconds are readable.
h=11 m=14 s=5
